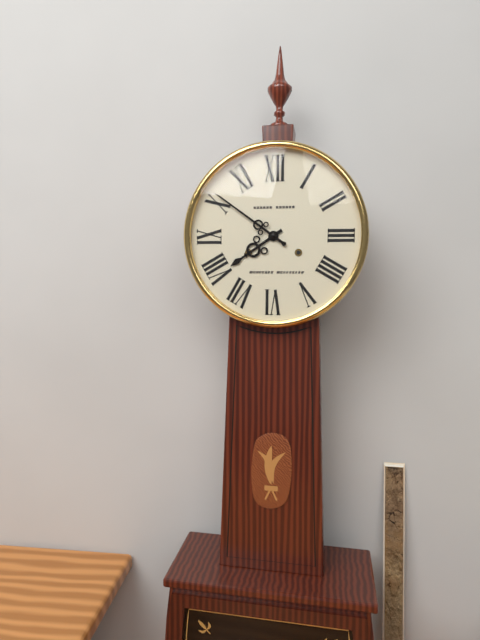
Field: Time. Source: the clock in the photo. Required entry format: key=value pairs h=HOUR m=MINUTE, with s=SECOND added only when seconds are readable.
h=7 m=51
